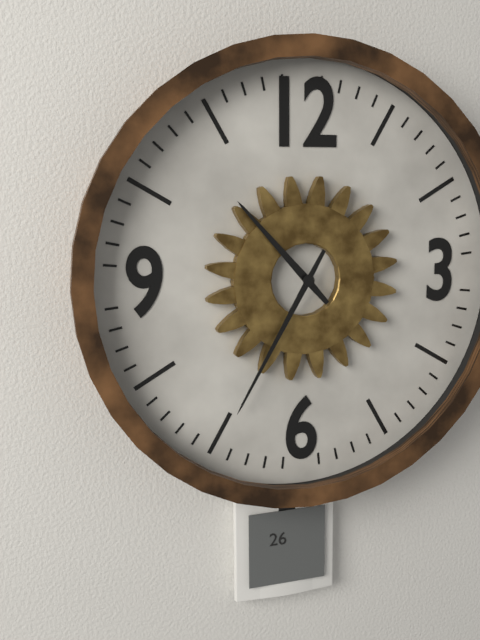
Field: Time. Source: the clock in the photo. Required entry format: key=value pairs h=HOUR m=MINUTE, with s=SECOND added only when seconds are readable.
h=10 m=35
